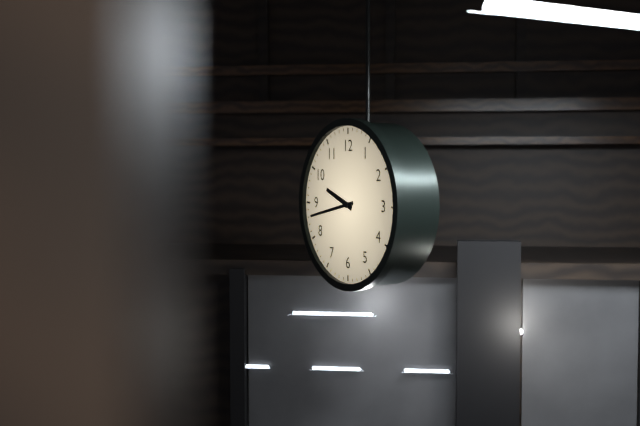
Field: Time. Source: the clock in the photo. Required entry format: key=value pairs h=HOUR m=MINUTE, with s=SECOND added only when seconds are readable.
h=9 m=43
